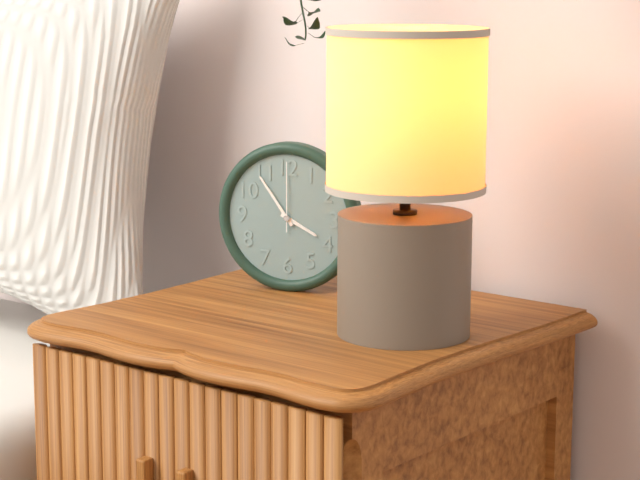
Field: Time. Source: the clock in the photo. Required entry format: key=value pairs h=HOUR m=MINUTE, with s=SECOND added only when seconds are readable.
h=3 m=54 s=0
